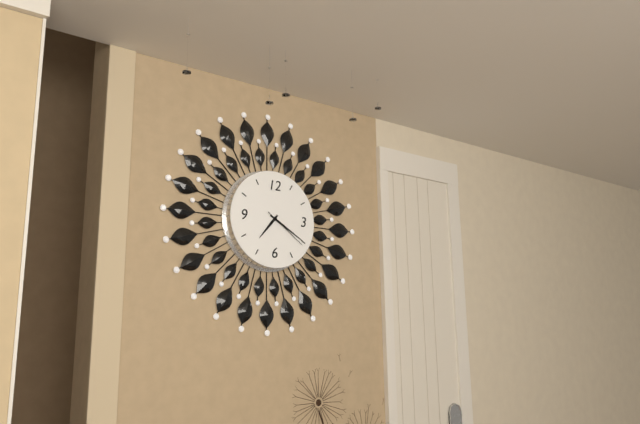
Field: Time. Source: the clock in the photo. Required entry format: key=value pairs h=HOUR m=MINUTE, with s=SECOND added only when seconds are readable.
h=7 m=20
